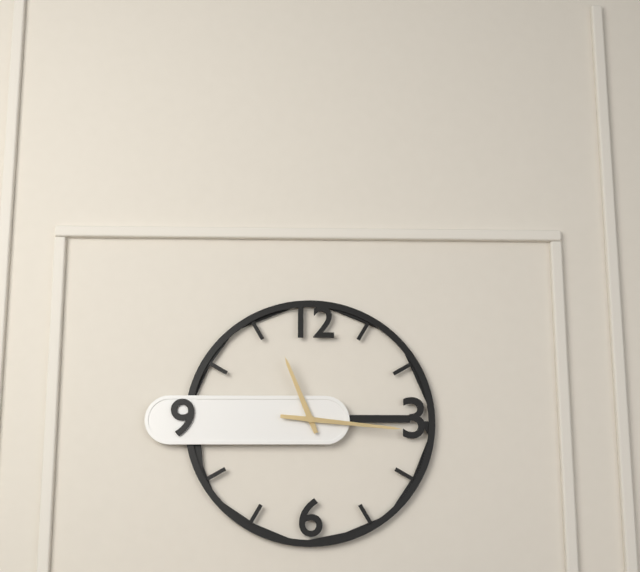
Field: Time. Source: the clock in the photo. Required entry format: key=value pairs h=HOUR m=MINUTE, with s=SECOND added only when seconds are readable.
h=11 m=16
